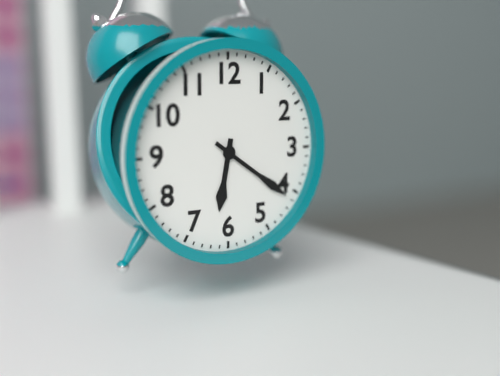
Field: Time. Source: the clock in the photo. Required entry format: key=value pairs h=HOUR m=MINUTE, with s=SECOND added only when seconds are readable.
h=6 m=21
